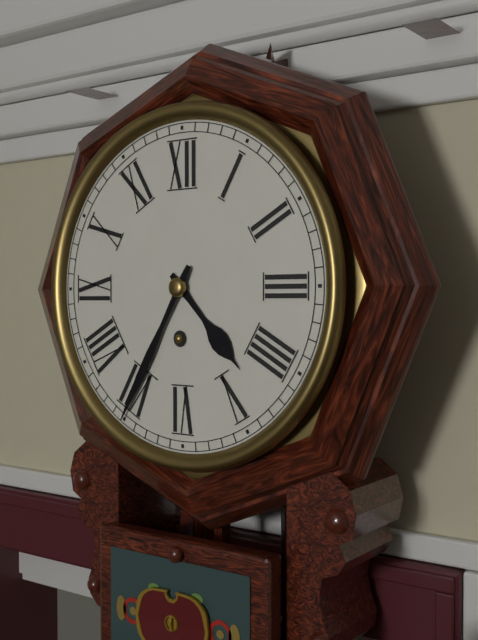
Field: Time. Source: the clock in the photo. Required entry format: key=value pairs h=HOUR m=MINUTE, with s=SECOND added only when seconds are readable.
h=4 m=35
